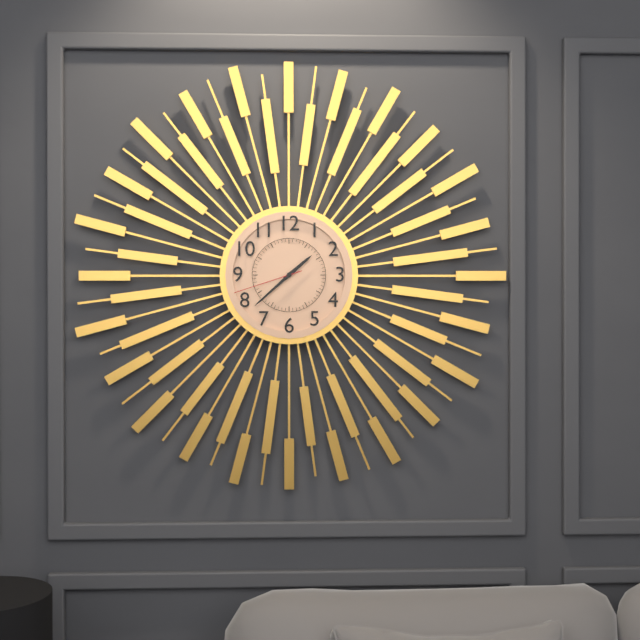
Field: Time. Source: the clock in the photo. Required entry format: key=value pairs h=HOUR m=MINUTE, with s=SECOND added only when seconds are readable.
h=1 m=38 s=42
